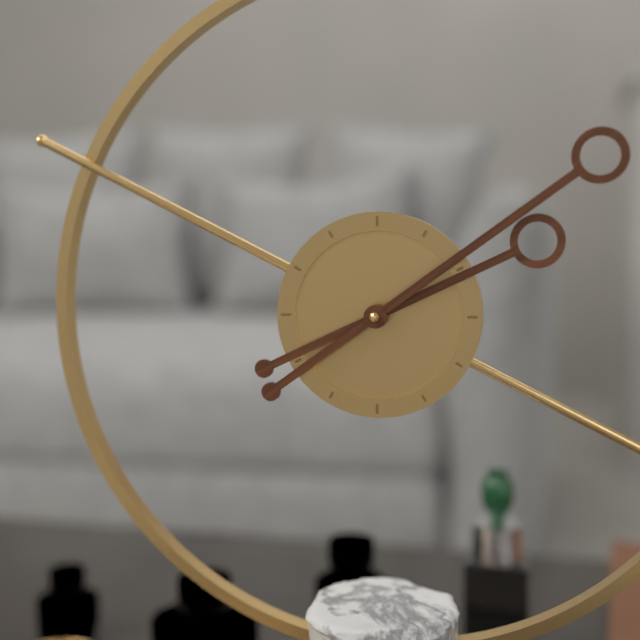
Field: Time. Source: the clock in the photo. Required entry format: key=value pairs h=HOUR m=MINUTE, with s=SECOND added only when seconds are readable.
h=2 m=9
